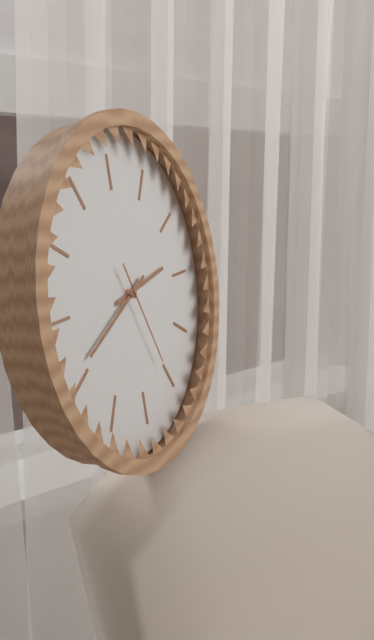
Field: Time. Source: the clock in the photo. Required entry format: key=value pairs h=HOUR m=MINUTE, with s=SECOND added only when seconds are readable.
h=2 m=41 s=26
